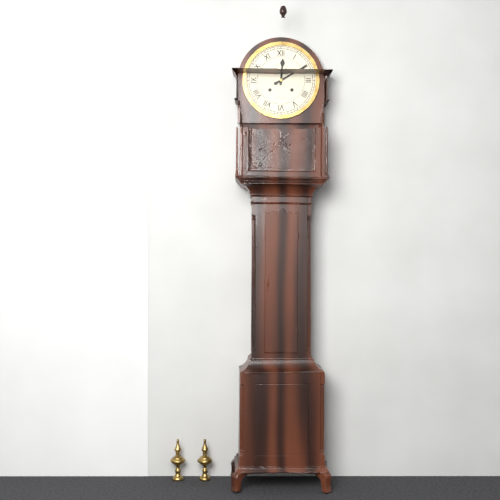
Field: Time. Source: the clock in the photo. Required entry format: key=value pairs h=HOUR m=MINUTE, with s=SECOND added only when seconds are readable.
h=12 m=10
